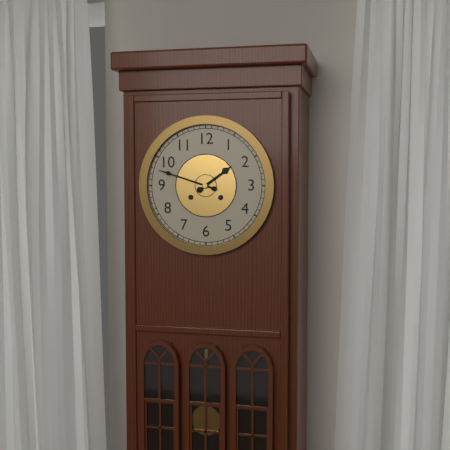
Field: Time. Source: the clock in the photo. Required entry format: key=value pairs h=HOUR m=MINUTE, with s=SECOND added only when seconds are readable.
h=1 m=48
